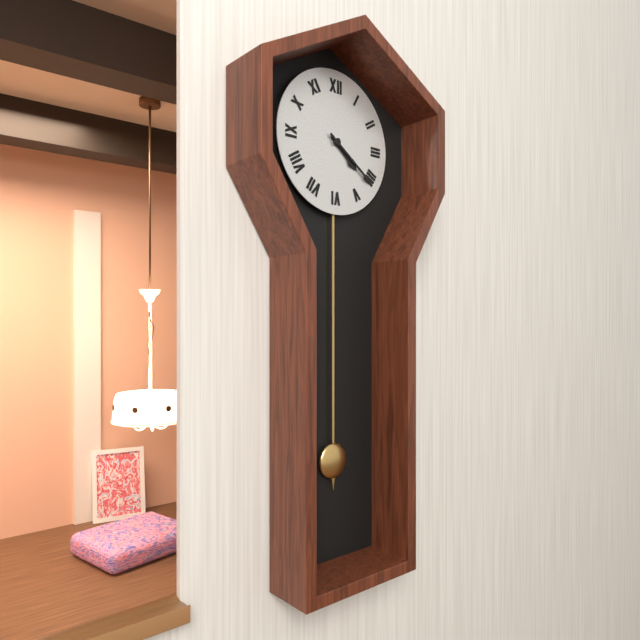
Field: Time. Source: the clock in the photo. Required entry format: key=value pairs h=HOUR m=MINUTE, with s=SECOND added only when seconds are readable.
h=4 m=21
